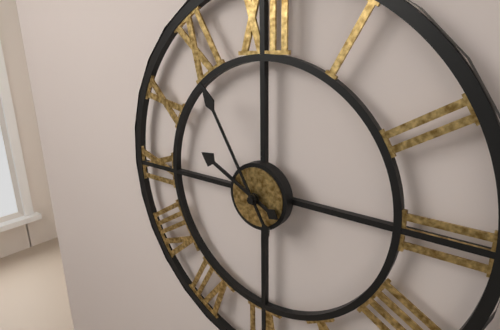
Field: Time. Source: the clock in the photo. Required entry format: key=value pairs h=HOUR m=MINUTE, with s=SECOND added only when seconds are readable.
h=9 m=55
